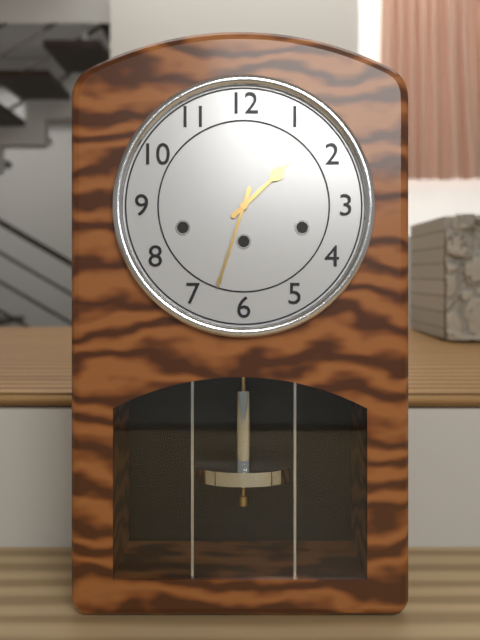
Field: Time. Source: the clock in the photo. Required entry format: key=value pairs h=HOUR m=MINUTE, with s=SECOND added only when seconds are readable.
h=1 m=33
